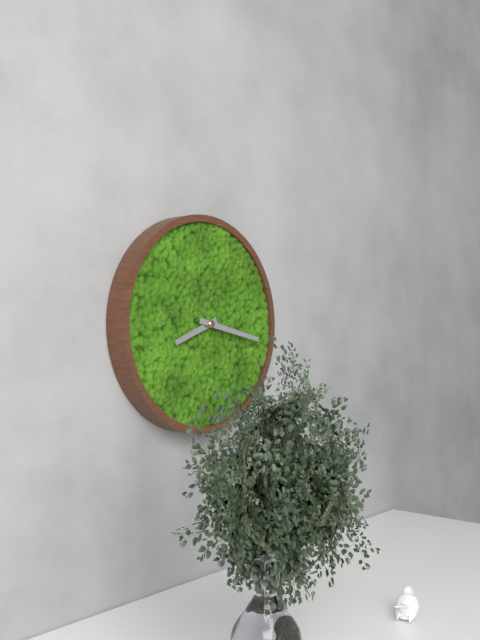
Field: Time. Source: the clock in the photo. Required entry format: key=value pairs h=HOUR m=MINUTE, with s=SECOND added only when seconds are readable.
h=8 m=17
